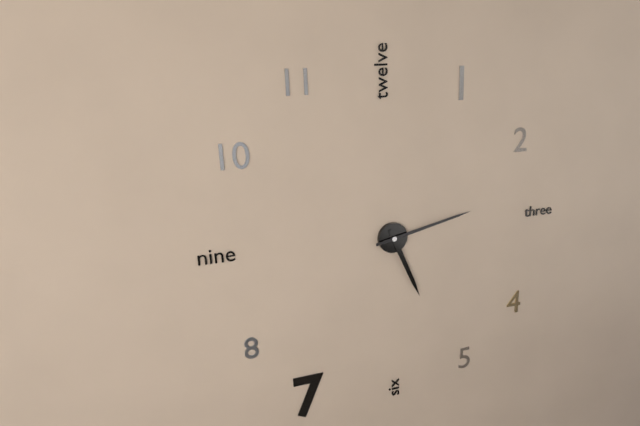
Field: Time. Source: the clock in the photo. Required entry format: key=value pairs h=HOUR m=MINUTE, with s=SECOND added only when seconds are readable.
h=5 m=13
